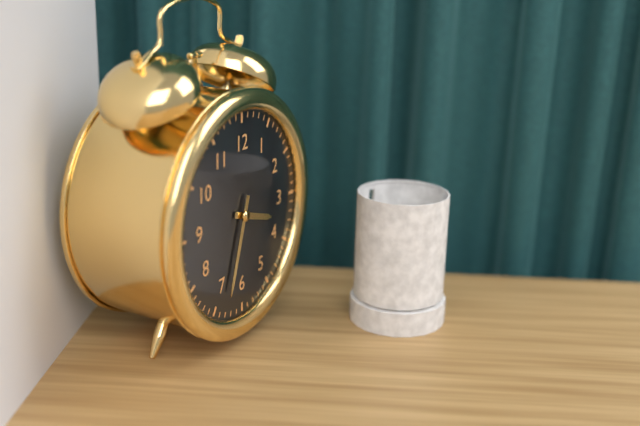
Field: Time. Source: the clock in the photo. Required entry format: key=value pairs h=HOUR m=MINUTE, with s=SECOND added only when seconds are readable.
h=3 m=33
